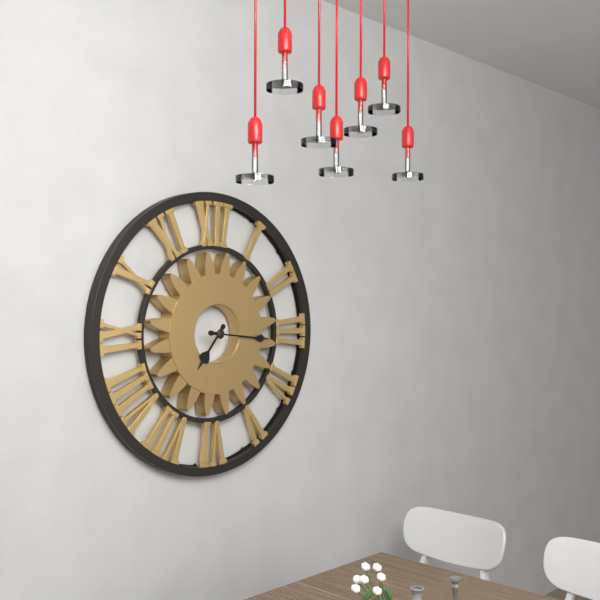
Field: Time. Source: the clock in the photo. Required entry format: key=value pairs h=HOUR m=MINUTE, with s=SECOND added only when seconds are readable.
h=7 m=16
